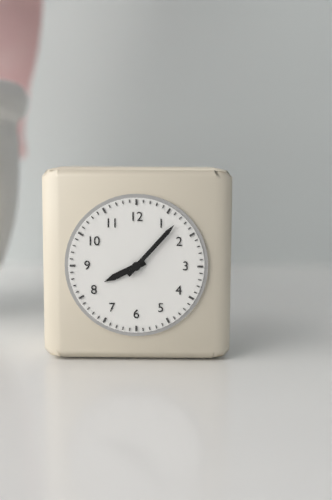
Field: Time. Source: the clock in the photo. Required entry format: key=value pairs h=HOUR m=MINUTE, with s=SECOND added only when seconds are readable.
h=8 m=7
